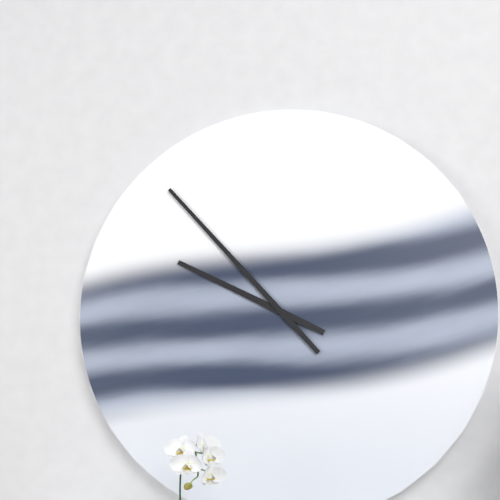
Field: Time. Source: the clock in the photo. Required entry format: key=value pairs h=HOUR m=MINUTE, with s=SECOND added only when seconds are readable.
h=9 m=53
